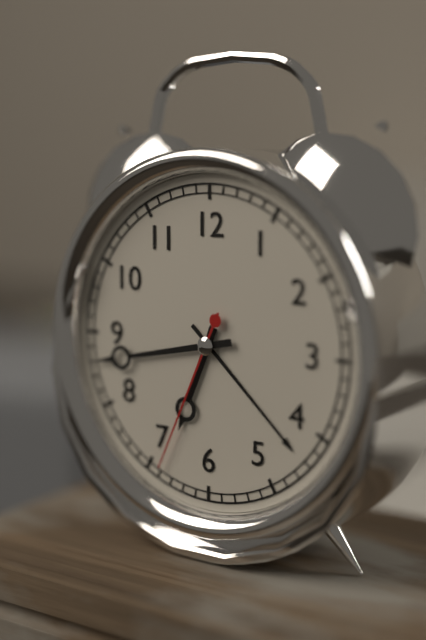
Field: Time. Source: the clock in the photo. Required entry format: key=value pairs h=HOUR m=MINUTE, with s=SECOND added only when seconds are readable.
h=6 m=43 s=34
